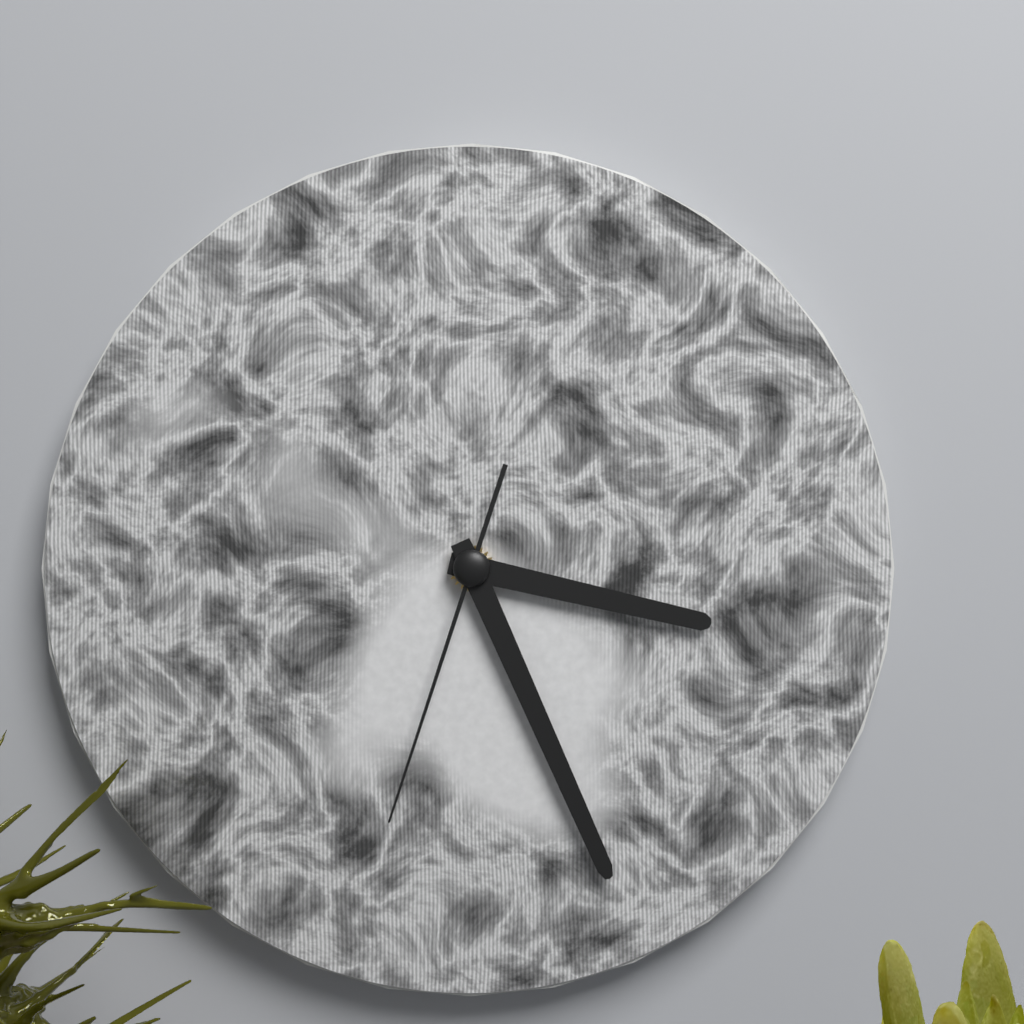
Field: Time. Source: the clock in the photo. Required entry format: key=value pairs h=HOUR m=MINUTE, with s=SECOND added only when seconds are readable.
h=3 m=26 s=33
